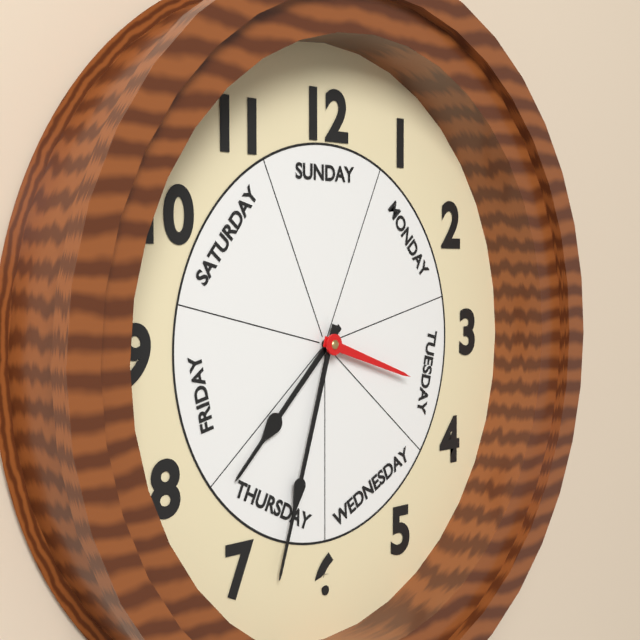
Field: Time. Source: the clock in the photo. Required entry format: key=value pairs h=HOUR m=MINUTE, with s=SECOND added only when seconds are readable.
h=7 m=33 s=18
